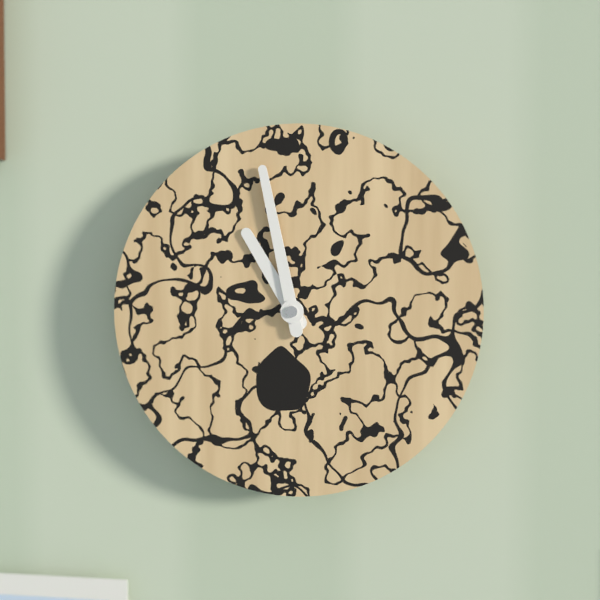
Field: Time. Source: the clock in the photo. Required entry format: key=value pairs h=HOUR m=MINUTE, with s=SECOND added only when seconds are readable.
h=10 m=58
